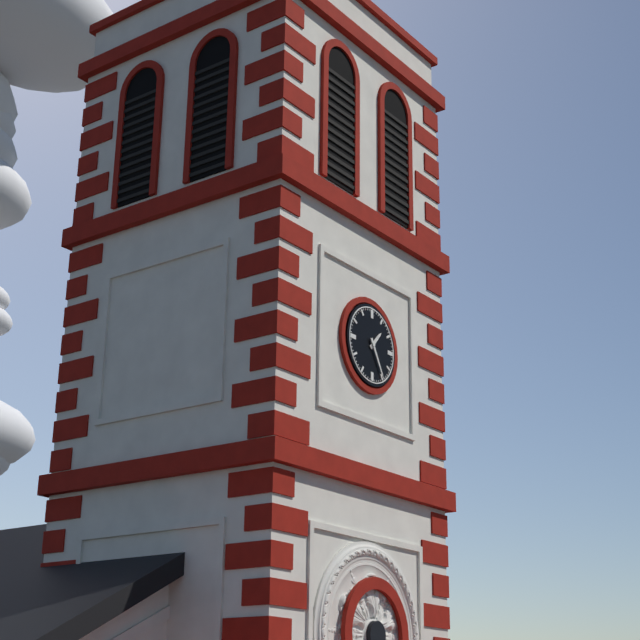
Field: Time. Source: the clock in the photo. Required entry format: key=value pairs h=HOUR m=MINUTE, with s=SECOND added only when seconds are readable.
h=1 m=25
